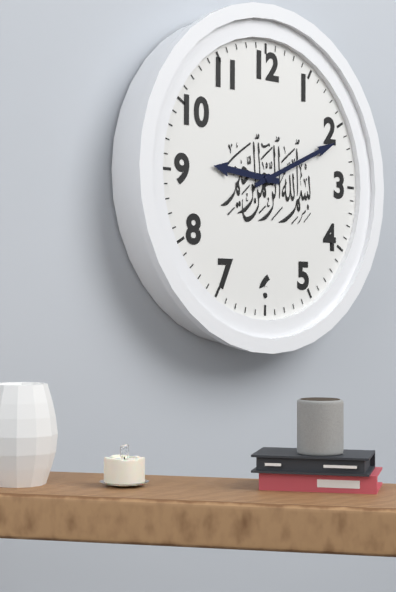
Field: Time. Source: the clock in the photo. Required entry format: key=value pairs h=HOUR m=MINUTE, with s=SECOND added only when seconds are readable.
h=9 m=11
